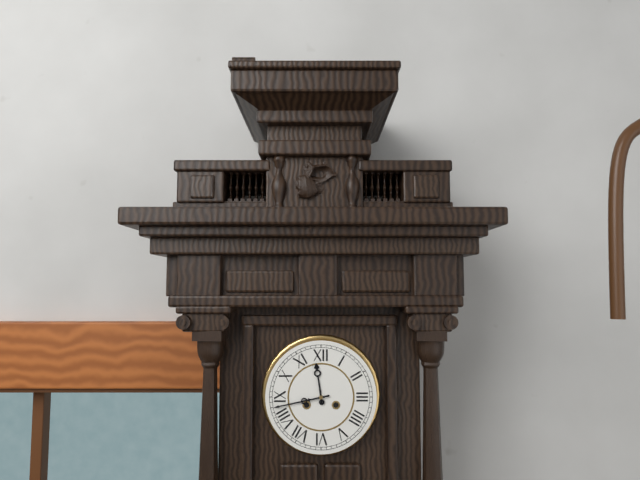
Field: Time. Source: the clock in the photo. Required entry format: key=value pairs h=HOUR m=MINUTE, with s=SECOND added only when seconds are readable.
h=11 m=43
